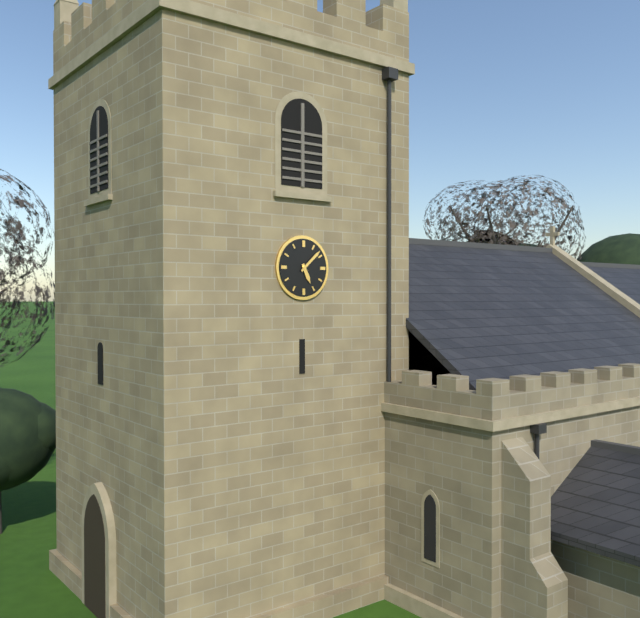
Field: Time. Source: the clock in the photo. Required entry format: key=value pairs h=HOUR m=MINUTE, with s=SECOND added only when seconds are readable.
h=5 m=8
